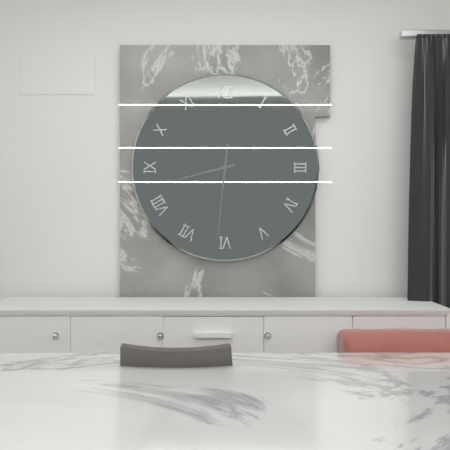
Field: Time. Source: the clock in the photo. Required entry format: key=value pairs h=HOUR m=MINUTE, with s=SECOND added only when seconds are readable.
h=8 m=31
